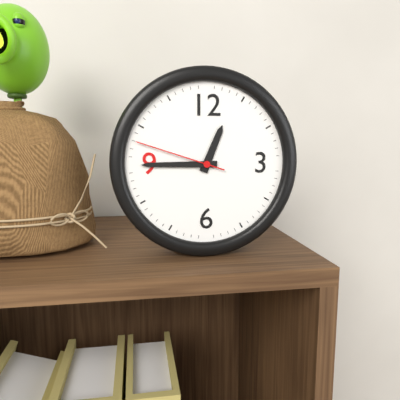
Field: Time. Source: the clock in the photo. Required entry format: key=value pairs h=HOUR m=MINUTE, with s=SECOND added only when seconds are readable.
h=12 m=45 s=48
